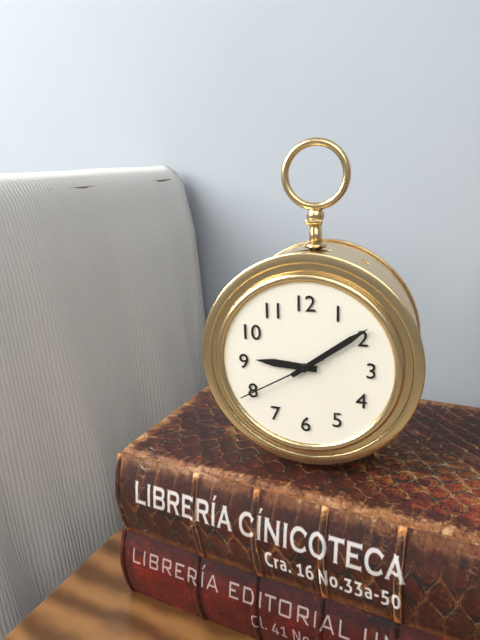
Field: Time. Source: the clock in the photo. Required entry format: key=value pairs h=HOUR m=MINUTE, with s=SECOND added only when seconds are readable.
h=9 m=9 s=40
